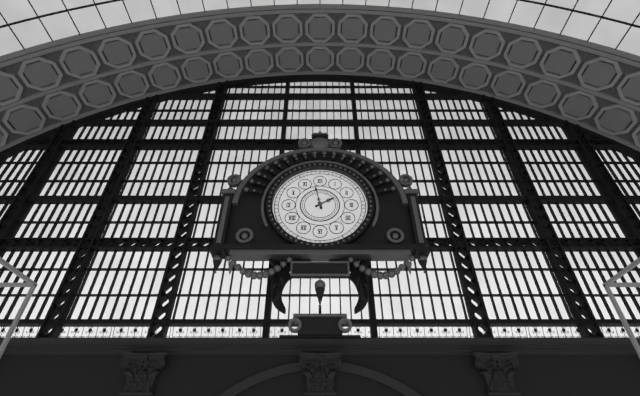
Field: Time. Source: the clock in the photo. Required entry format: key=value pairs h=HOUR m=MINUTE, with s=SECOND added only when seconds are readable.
h=1 m=58
